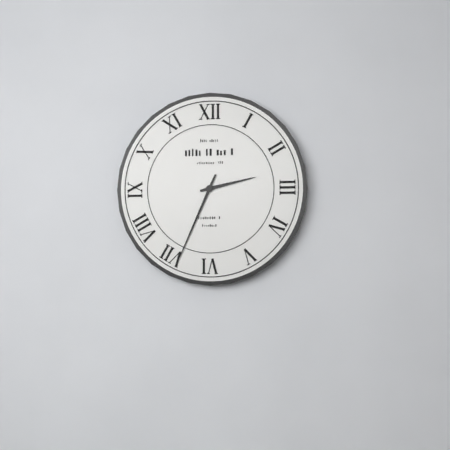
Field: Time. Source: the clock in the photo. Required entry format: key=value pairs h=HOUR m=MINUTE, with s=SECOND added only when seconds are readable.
h=2 m=34
